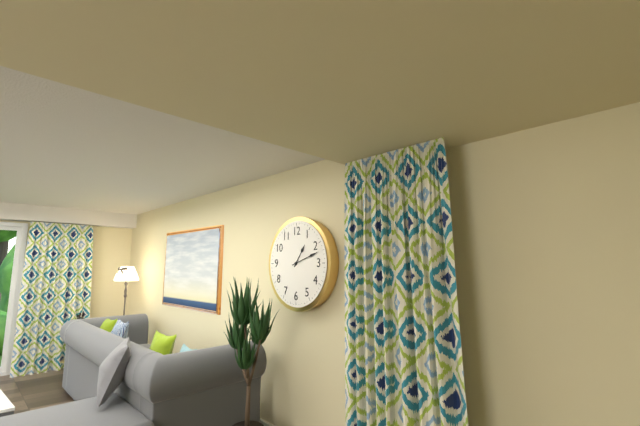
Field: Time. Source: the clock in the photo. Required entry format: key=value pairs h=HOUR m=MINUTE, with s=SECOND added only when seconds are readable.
h=1 m=12
